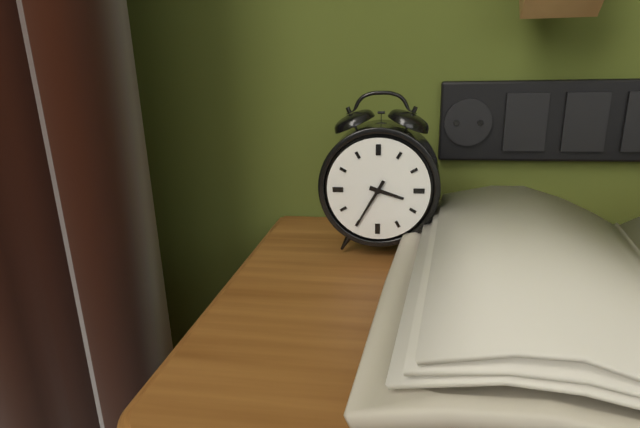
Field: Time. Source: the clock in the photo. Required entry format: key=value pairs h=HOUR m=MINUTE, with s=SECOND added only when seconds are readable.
h=3 m=35
